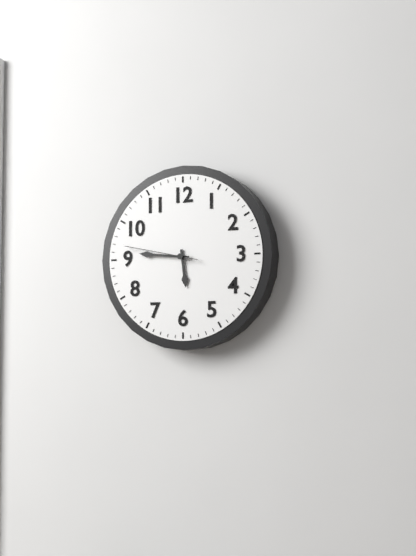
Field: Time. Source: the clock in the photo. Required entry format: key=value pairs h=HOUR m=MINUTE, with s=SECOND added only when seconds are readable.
h=5 m=46 s=47
